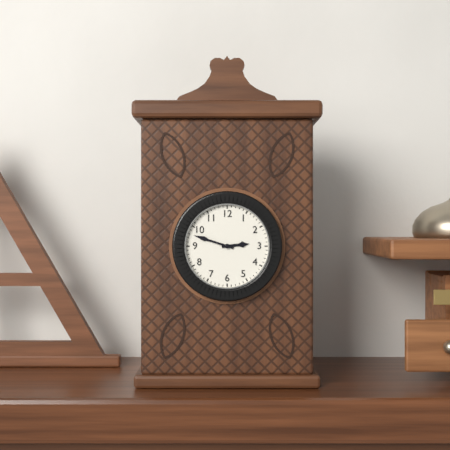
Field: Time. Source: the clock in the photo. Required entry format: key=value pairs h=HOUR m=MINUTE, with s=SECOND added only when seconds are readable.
h=2 m=48
